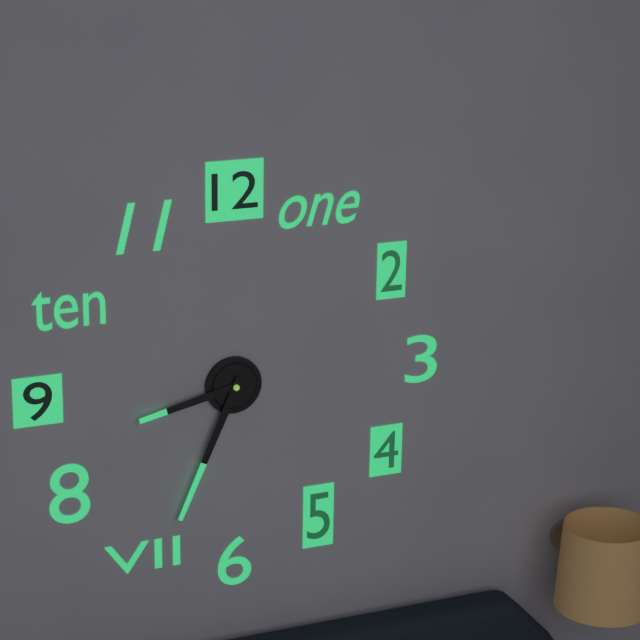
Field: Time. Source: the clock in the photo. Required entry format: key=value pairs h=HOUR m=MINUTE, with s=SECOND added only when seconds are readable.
h=8 m=34
